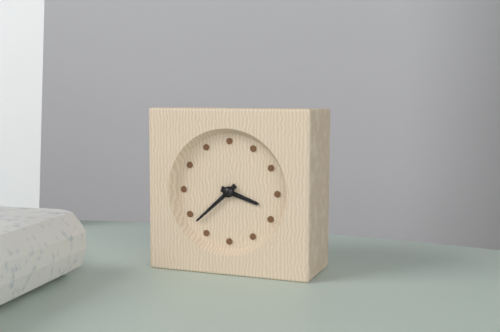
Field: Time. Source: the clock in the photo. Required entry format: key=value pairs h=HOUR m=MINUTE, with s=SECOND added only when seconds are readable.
h=3 m=38
